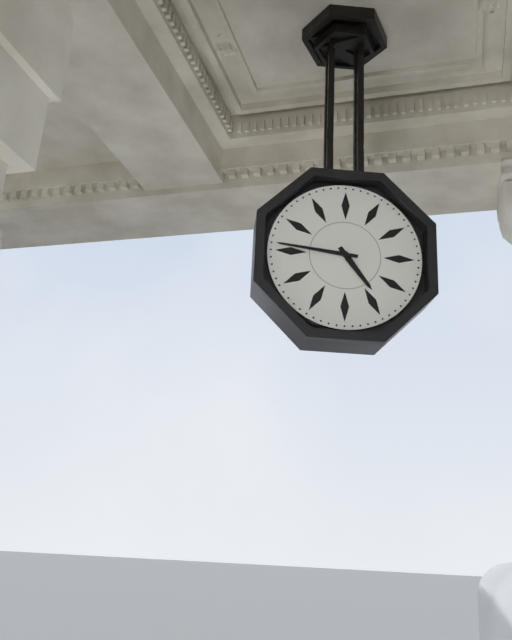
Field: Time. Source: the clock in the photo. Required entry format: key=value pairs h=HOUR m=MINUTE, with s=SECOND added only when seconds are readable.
h=4 m=46
